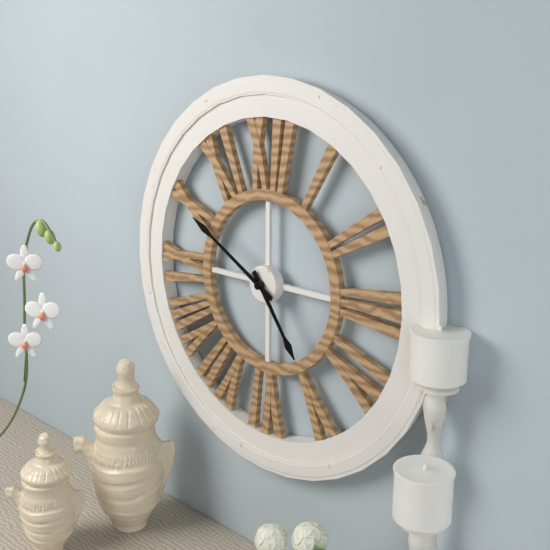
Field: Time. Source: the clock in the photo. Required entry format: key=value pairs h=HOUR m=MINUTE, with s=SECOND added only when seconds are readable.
h=4 m=50
